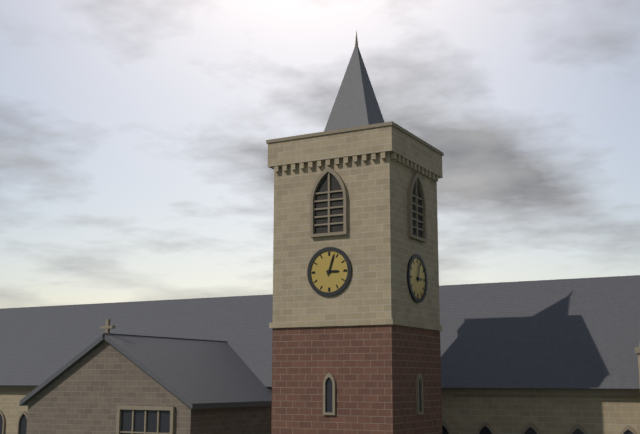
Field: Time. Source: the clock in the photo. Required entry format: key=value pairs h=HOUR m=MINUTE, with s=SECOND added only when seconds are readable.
h=3 m=3
